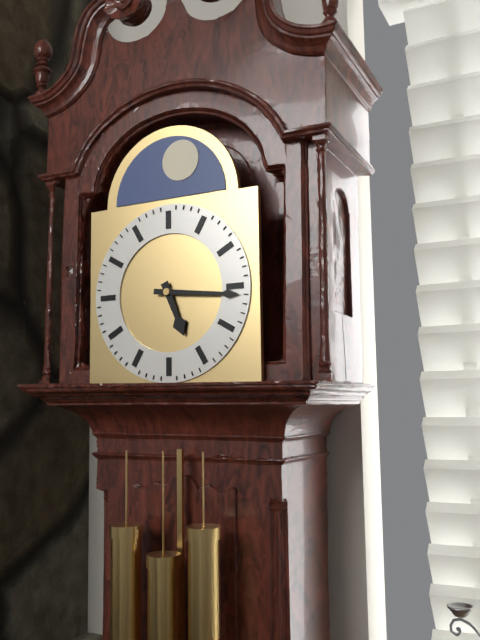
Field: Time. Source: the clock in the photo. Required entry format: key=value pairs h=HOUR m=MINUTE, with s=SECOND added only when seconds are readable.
h=5 m=16
